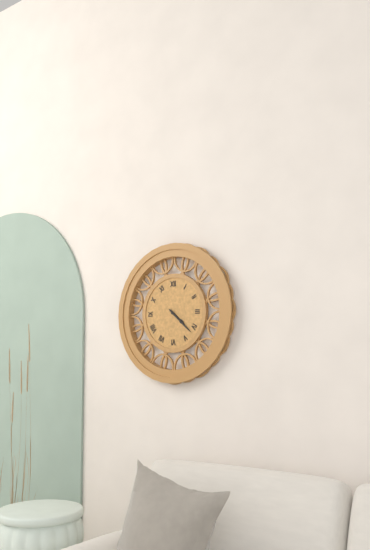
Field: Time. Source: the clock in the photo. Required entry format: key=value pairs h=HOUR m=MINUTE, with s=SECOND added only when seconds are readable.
h=4 m=22
